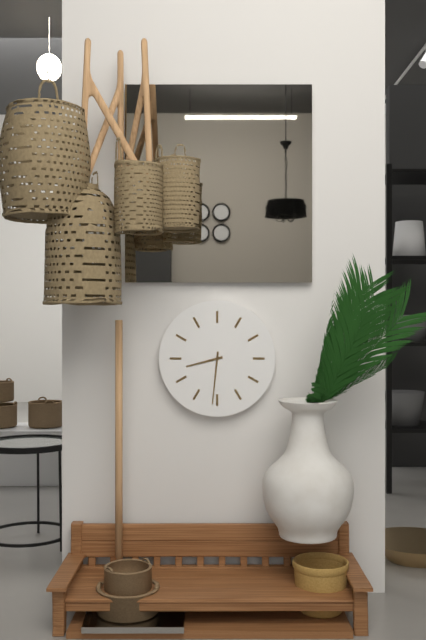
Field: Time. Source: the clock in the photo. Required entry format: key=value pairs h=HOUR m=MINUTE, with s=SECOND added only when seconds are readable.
h=8 m=31
